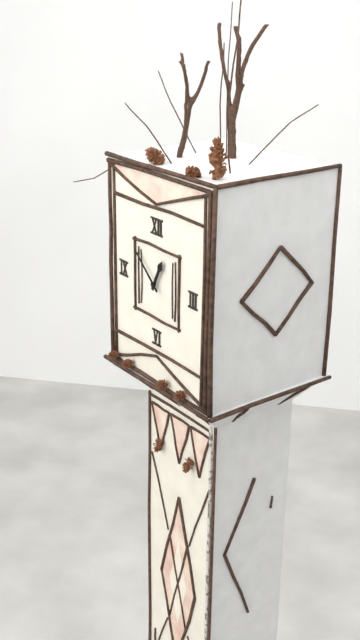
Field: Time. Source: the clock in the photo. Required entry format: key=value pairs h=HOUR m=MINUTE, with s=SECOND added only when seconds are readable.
h=12 m=52
